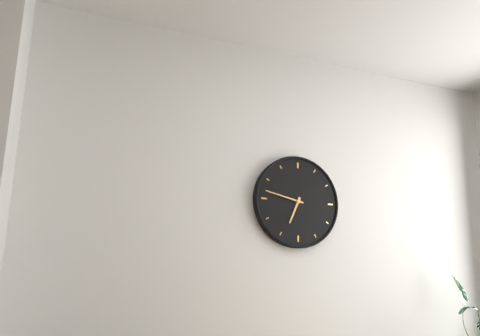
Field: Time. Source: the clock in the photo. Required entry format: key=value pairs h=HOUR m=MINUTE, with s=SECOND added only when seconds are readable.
h=6 m=47
